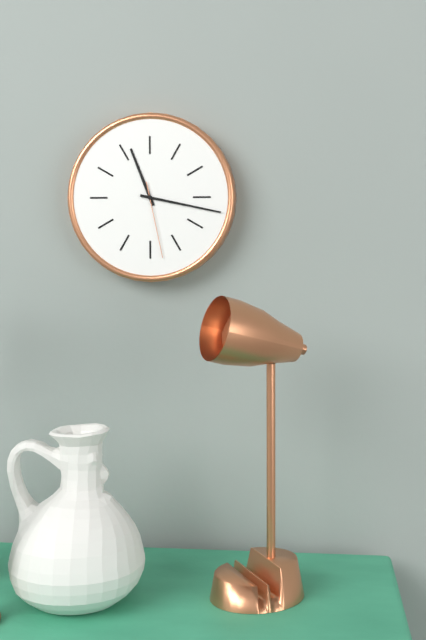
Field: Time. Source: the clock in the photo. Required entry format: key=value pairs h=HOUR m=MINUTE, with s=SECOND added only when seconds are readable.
h=11 m=17 s=28
